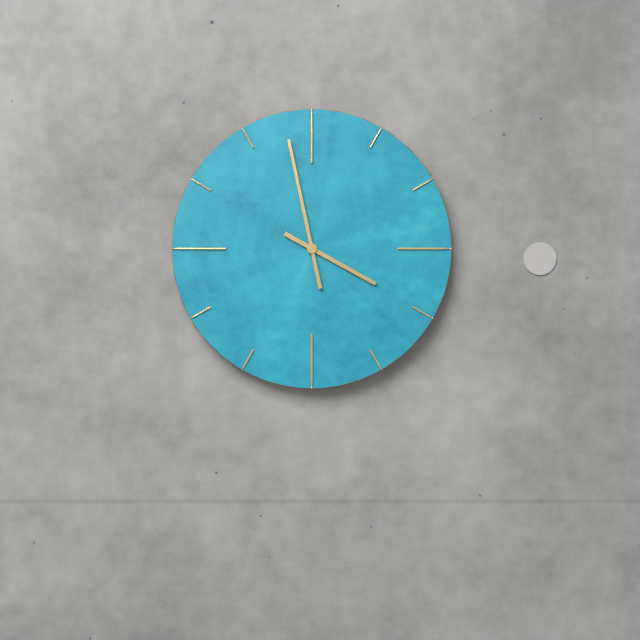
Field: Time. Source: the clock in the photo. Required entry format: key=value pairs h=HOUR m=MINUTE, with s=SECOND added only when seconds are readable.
h=3 m=58
